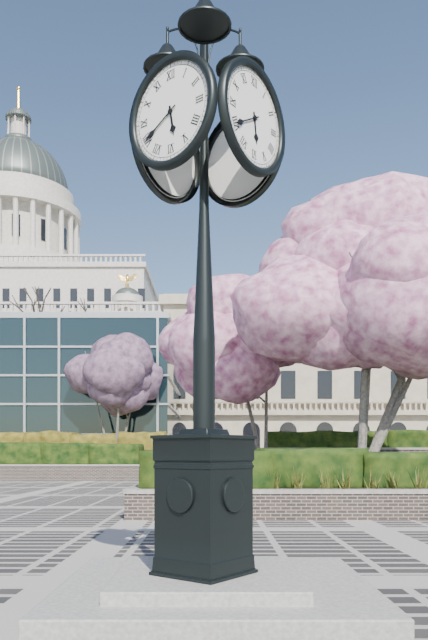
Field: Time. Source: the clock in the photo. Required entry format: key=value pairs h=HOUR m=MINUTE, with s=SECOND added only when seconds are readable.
h=5 m=40
